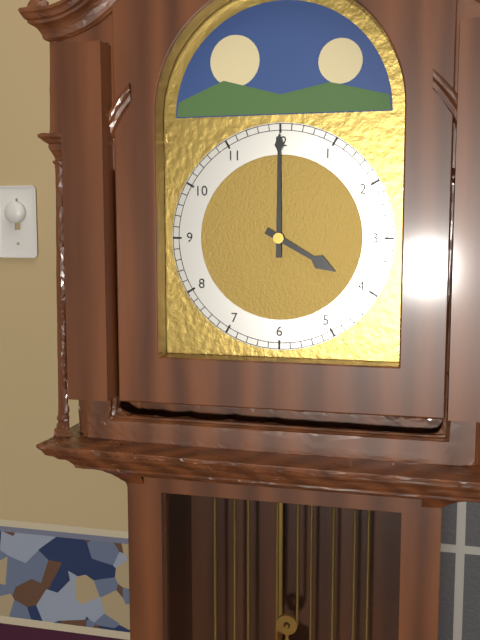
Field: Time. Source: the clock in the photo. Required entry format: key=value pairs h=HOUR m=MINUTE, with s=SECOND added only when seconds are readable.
h=4 m=0
